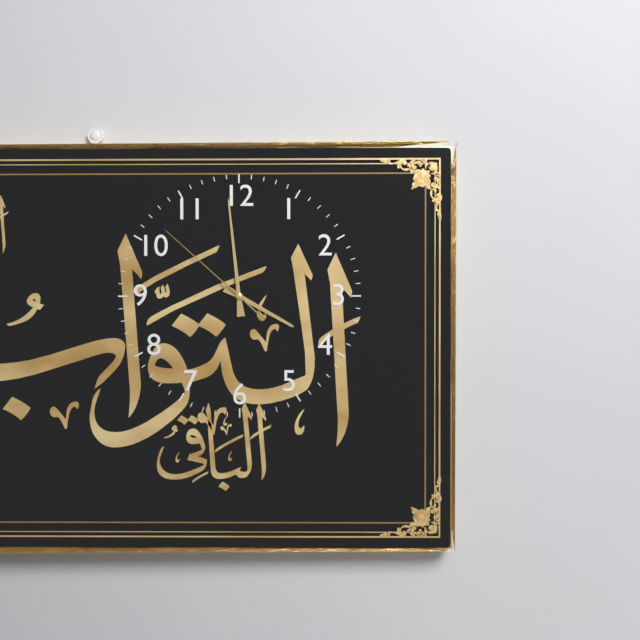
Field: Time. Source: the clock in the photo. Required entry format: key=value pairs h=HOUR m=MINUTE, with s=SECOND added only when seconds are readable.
h=3 m=59 s=52
